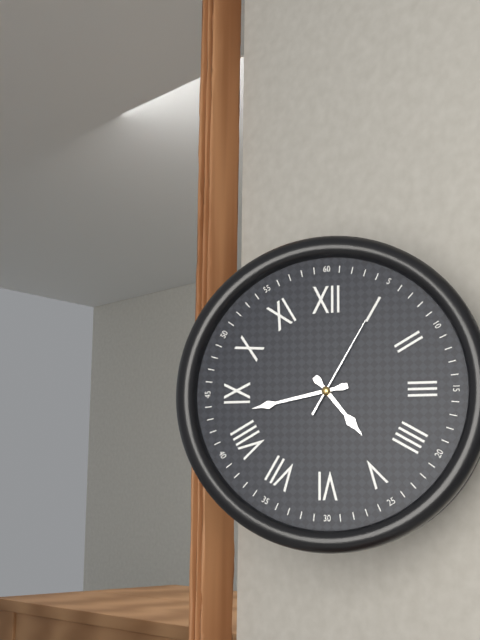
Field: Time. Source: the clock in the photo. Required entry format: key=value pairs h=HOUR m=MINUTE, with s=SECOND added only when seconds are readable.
h=4 m=43 s=5
